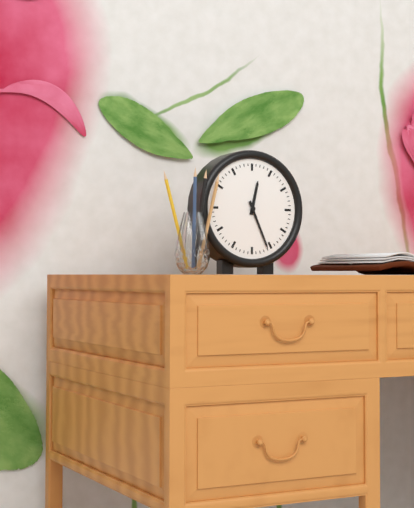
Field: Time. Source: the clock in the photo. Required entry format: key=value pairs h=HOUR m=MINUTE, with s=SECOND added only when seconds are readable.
h=12 m=26
